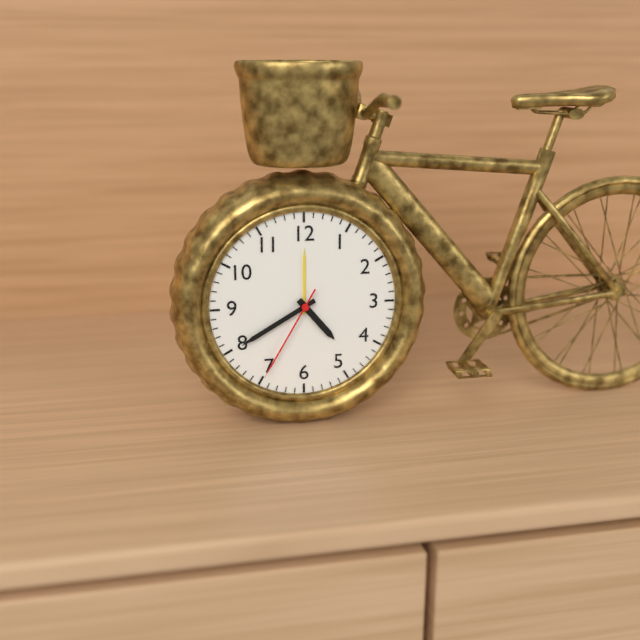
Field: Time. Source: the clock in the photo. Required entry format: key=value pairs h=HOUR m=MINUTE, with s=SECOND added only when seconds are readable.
h=4 m=40 s=35
